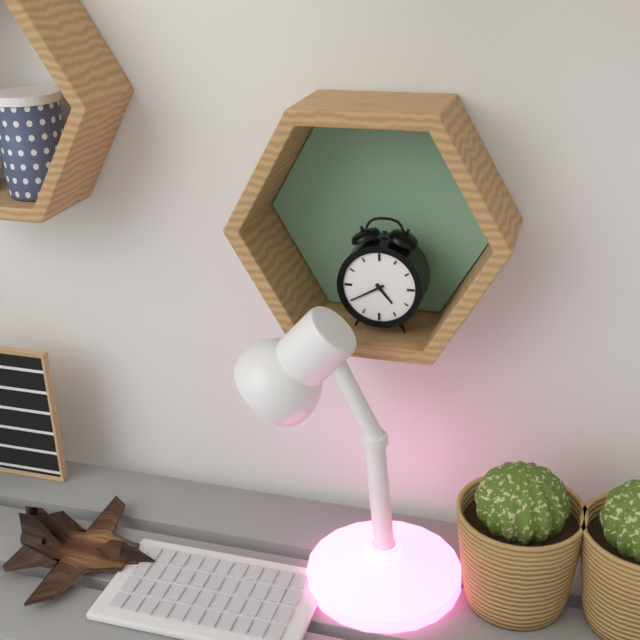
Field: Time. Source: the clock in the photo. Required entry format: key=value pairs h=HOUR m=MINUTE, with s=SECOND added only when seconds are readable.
h=4 m=40
